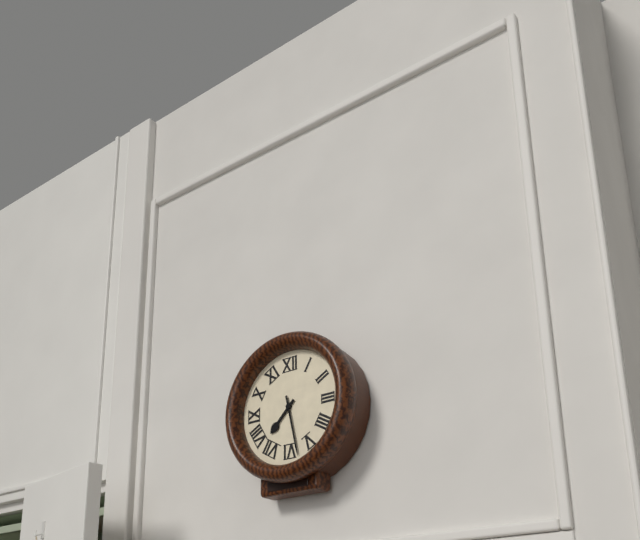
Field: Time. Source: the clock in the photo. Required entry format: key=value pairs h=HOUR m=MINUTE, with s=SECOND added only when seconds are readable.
h=7 m=28
